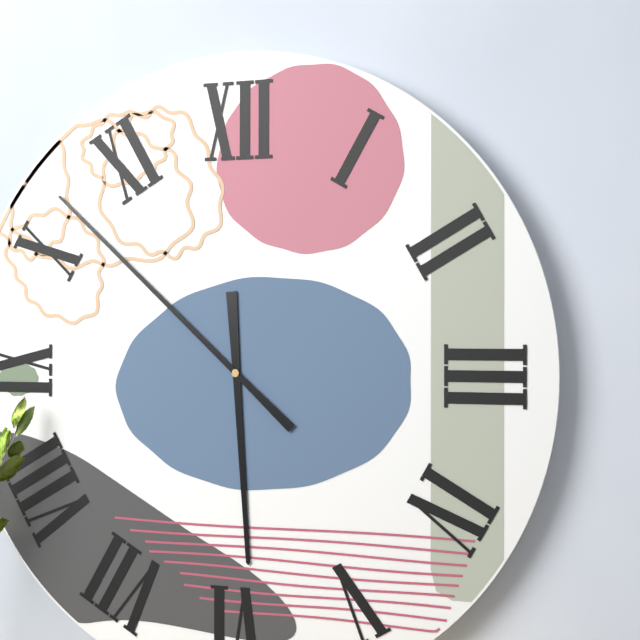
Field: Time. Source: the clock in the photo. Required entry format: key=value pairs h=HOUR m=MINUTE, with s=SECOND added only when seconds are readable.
h=5 m=52
